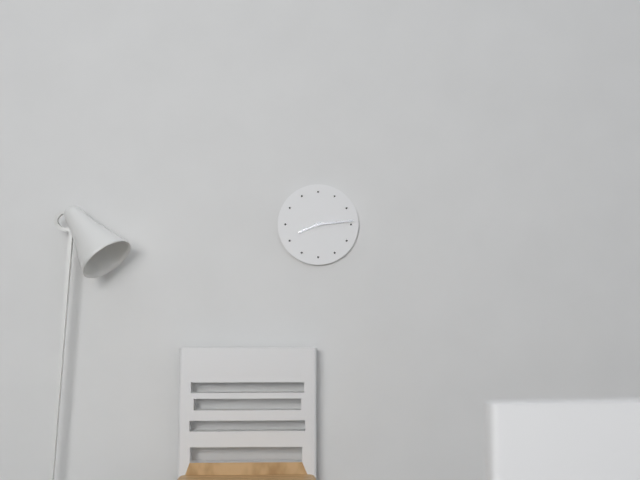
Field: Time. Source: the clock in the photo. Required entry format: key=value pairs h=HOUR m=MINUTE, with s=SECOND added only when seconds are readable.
h=8 m=14
